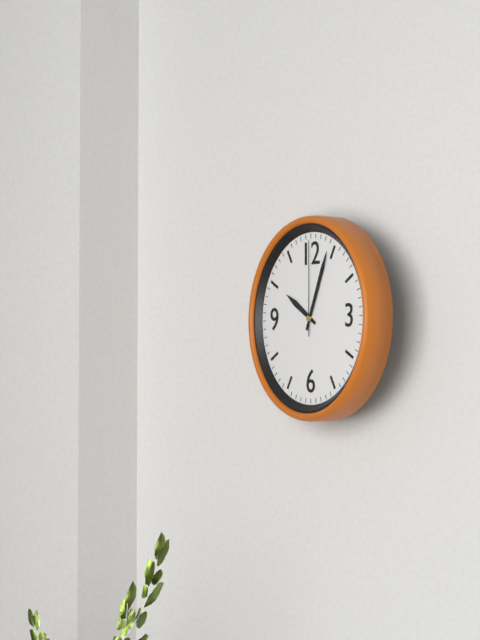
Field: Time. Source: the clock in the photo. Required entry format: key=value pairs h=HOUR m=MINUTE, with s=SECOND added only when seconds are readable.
h=10 m=4 s=0
